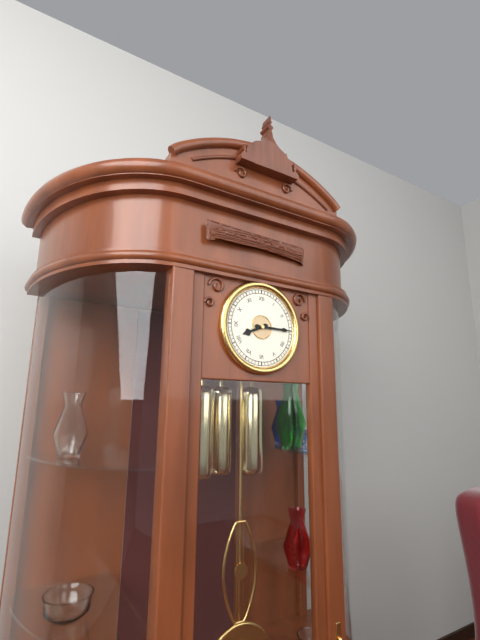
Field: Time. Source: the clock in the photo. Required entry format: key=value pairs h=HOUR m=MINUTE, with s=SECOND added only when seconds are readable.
h=8 m=15
